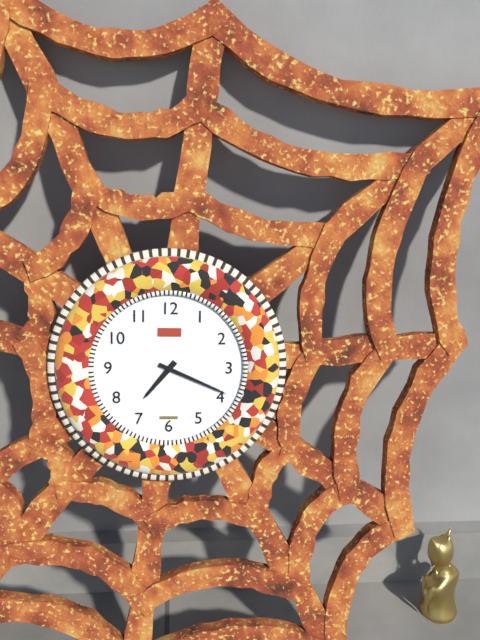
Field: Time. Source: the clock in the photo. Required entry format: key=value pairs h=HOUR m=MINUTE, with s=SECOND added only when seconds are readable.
h=7 m=19
